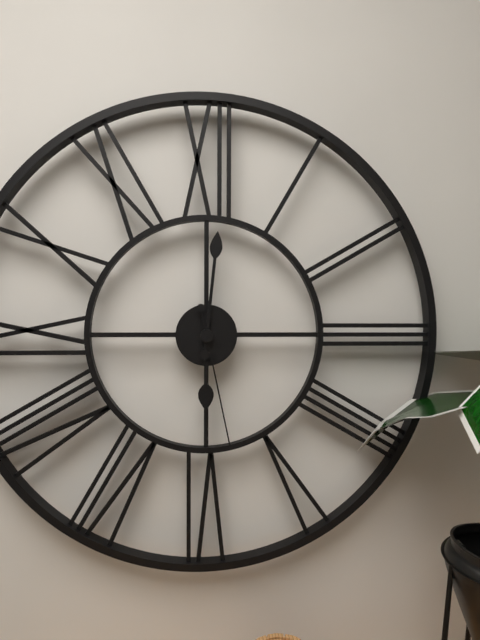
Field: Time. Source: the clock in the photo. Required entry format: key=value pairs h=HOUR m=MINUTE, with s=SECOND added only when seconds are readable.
h=6 m=1 s=28
